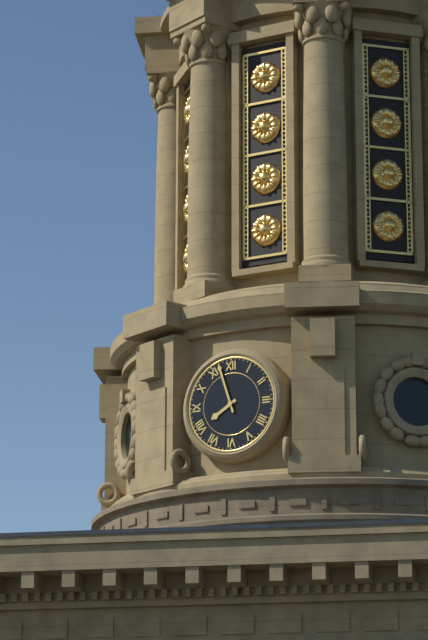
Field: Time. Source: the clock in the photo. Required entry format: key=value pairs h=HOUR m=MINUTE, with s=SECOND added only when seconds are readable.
h=7 m=57
